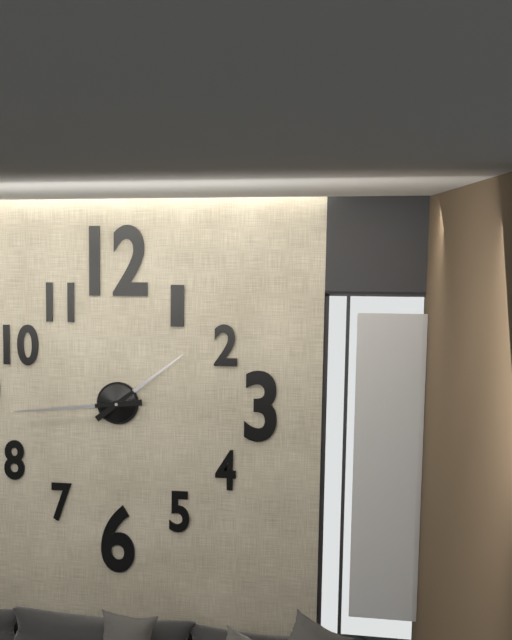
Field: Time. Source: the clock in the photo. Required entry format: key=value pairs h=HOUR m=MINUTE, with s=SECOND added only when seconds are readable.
h=1 m=44
